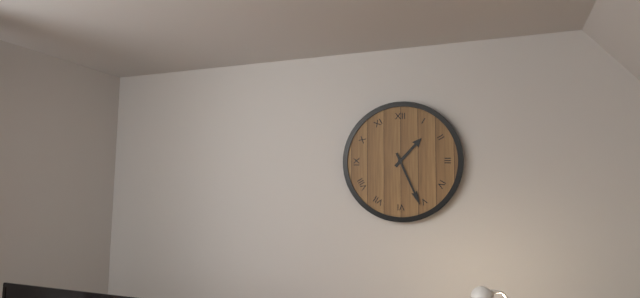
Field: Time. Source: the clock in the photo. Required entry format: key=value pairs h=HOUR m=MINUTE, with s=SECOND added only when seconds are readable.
h=1 m=26
